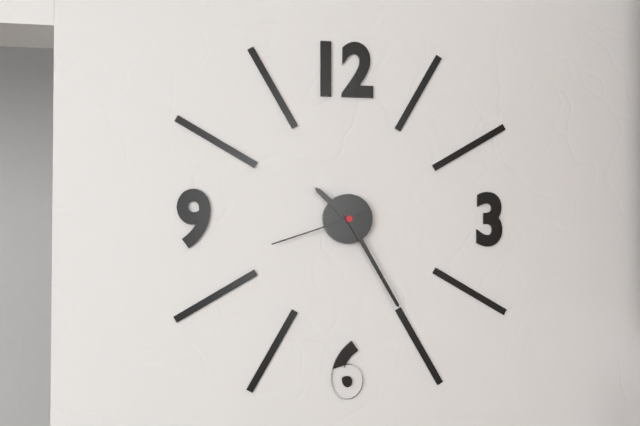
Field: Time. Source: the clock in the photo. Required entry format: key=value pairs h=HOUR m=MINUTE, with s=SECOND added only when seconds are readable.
h=10 m=25 s=42
